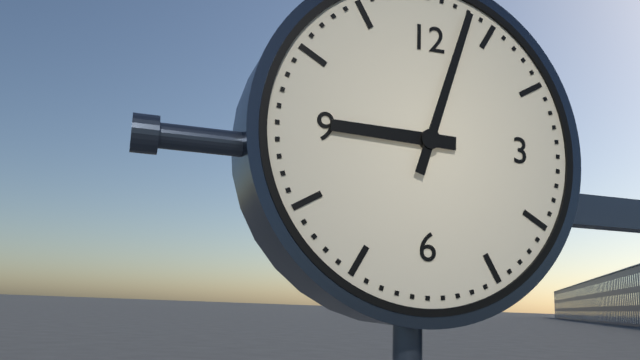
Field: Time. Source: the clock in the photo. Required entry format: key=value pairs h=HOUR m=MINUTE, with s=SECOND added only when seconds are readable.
h=9 m=3
